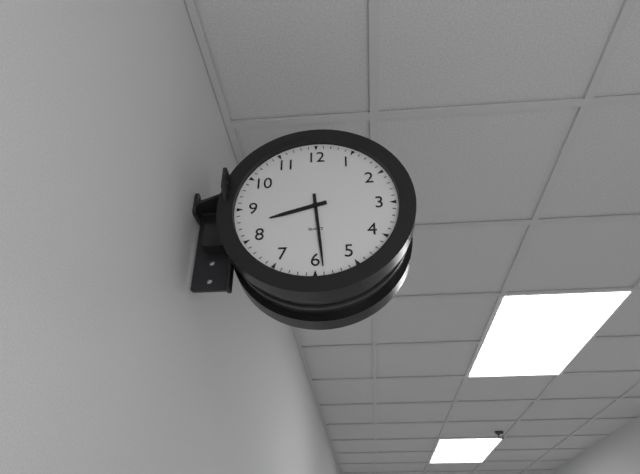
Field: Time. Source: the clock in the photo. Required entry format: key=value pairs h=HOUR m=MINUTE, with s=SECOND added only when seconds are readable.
h=8 m=29
